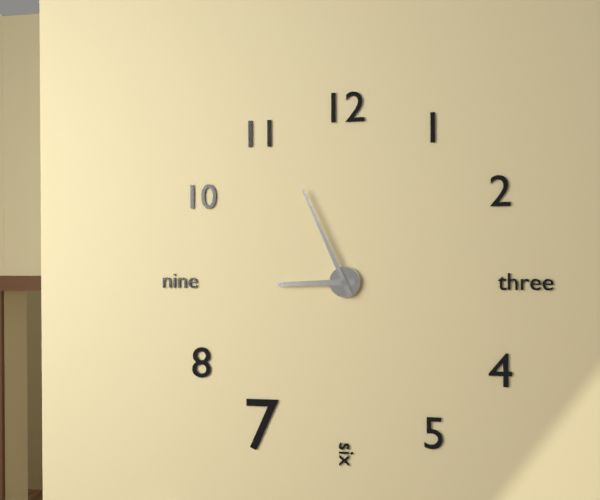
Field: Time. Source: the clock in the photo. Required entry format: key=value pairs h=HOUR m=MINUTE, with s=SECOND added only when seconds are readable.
h=8 m=56
